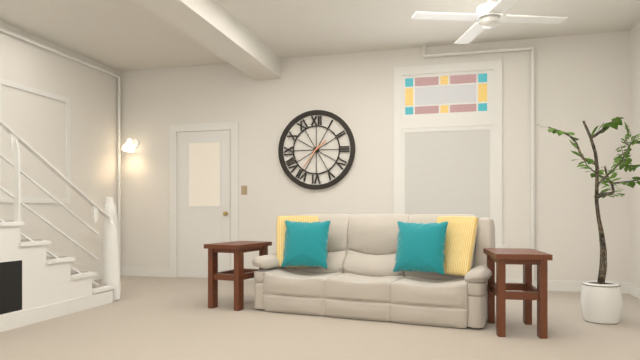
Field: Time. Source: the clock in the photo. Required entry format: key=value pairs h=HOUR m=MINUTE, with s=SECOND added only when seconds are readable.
h=1 m=36
